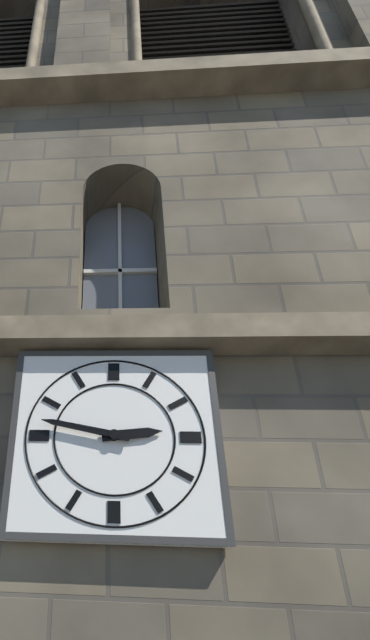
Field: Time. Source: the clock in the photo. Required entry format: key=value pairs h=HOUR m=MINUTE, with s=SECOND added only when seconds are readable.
h=2 m=47
